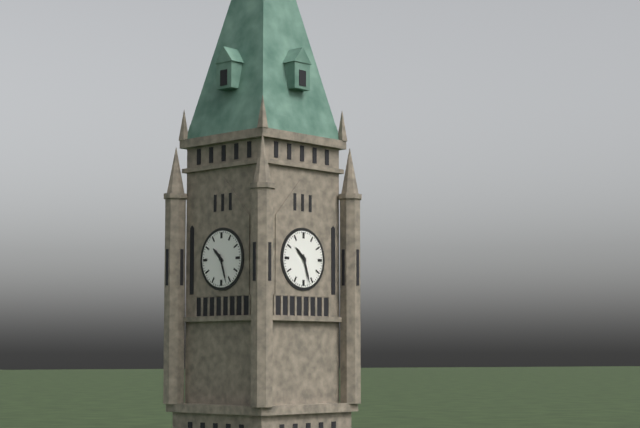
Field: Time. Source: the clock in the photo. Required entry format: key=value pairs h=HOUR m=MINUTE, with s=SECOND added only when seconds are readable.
h=10 m=27
